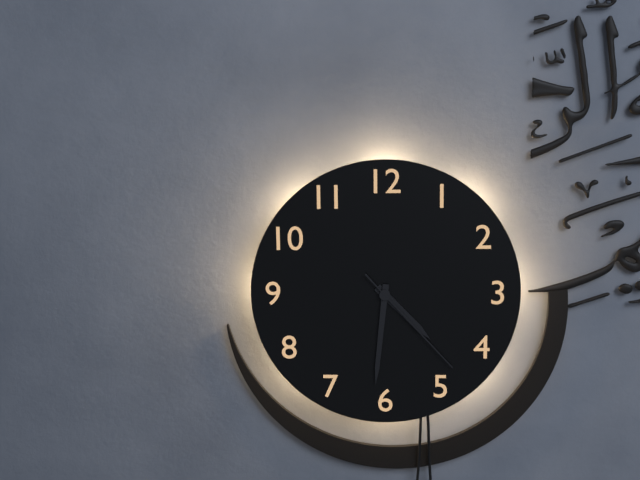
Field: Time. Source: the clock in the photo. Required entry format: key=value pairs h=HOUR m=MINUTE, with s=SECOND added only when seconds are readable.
h=4 m=31 s=23
